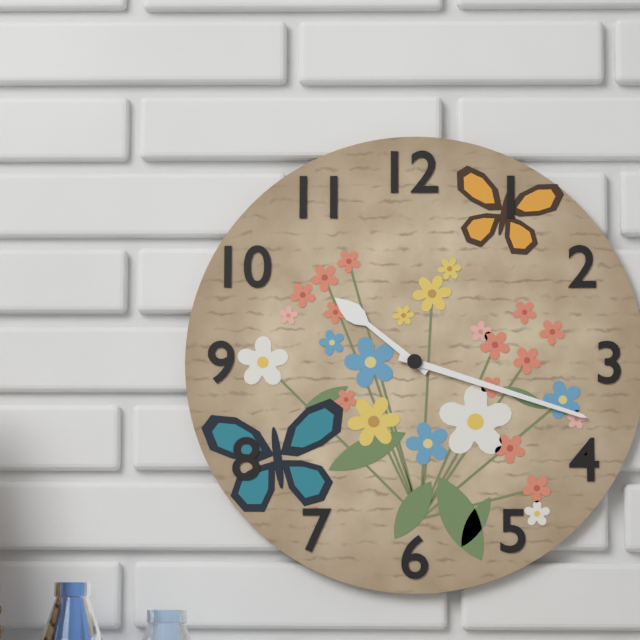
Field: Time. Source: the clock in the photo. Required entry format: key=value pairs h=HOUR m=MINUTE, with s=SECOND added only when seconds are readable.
h=10 m=18
